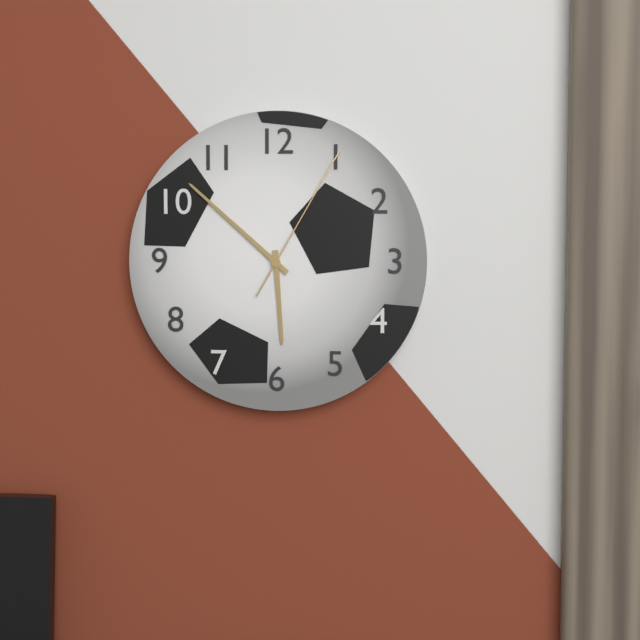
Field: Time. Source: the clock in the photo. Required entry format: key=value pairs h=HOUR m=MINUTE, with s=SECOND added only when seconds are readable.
h=5 m=52 s=5
